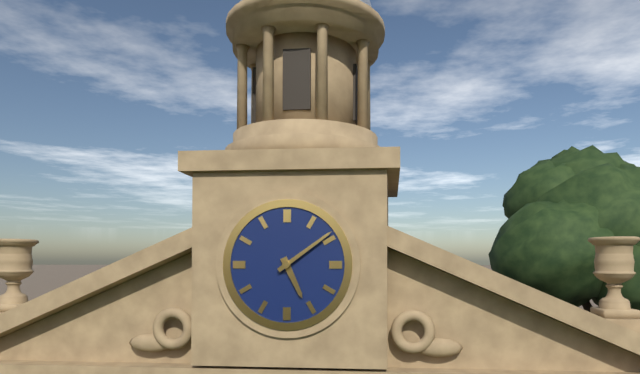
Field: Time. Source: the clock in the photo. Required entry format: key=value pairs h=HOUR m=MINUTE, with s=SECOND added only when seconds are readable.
h=5 m=9
